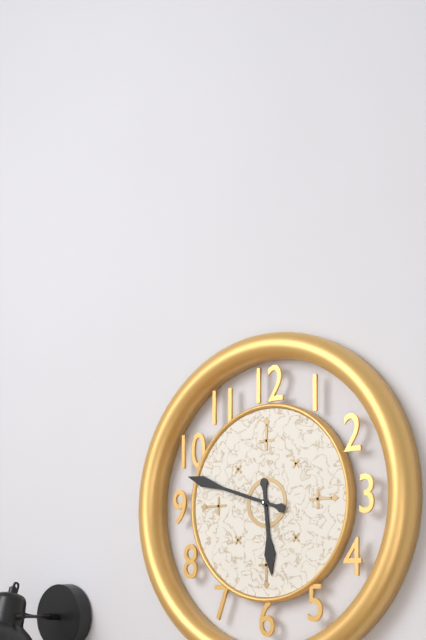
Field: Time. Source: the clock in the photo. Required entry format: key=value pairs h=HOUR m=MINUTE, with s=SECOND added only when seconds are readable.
h=5 m=48
